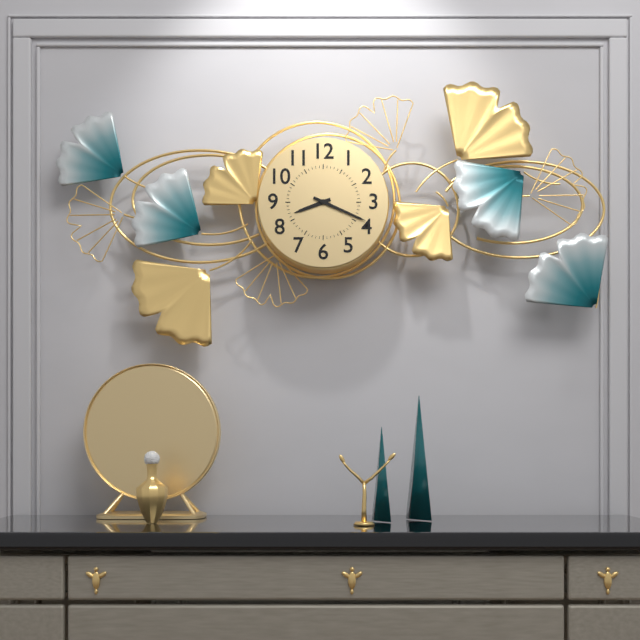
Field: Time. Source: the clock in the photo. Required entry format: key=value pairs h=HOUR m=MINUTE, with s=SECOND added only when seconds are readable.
h=8 m=19
